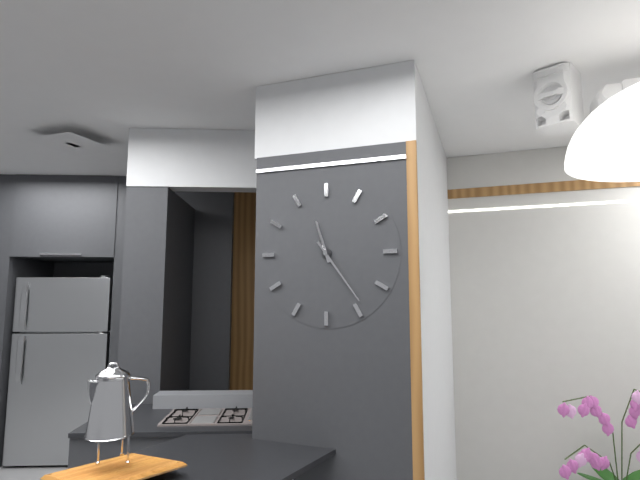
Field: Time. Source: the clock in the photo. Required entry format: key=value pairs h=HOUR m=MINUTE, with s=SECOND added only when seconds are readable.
h=11 m=24
